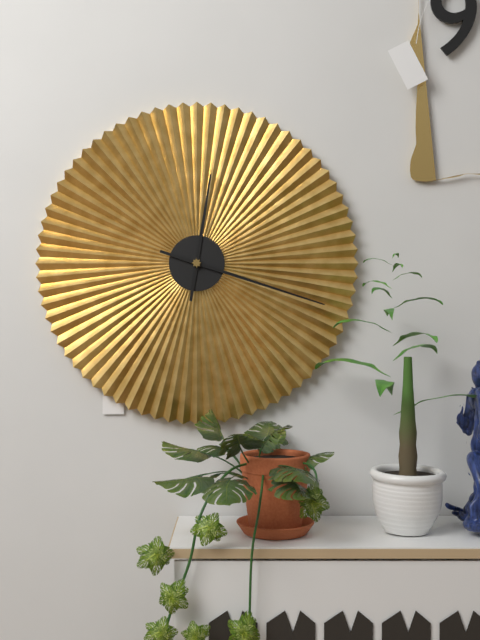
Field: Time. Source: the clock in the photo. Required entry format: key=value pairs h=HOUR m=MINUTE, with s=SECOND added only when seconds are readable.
h=12 m=18
